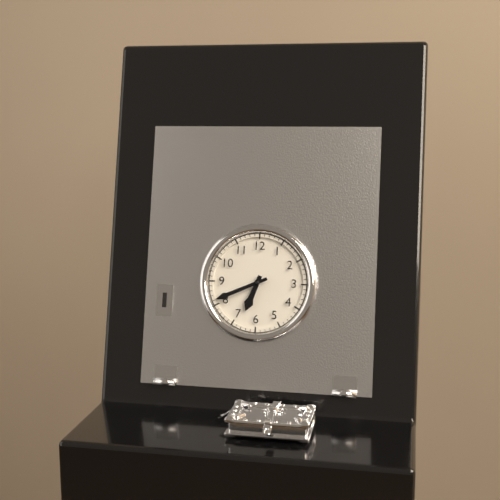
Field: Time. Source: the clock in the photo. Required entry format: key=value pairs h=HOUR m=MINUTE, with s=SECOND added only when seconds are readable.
h=6 m=41
